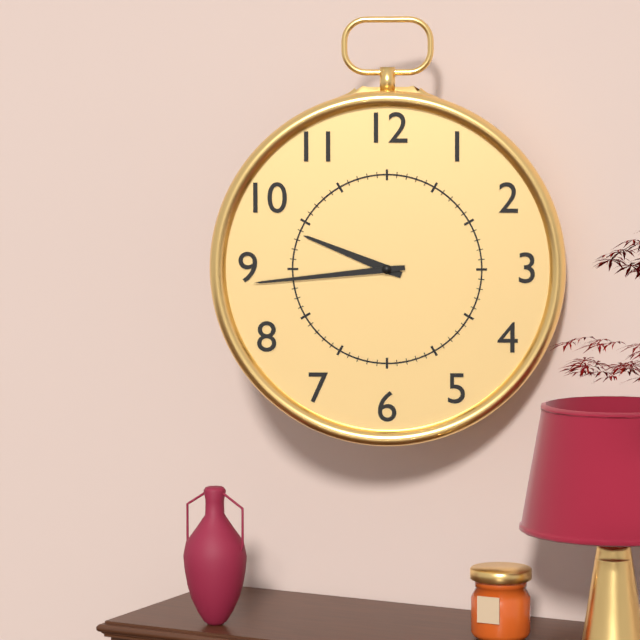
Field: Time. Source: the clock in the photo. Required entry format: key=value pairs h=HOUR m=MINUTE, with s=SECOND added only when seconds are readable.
h=9 m=44
